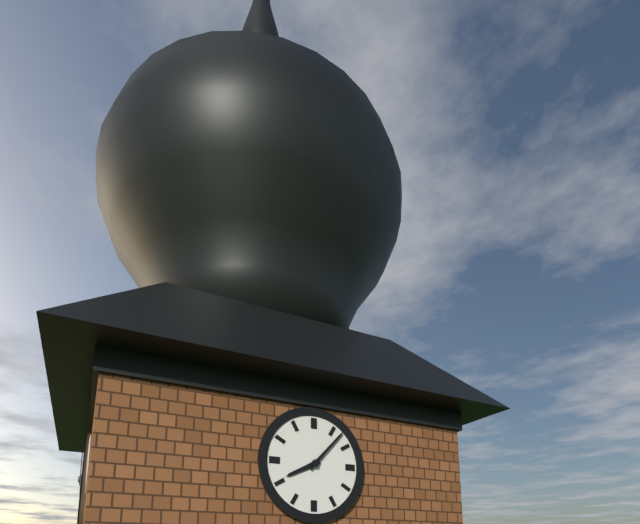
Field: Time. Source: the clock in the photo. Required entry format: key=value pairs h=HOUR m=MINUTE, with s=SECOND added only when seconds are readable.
h=8 m=7
